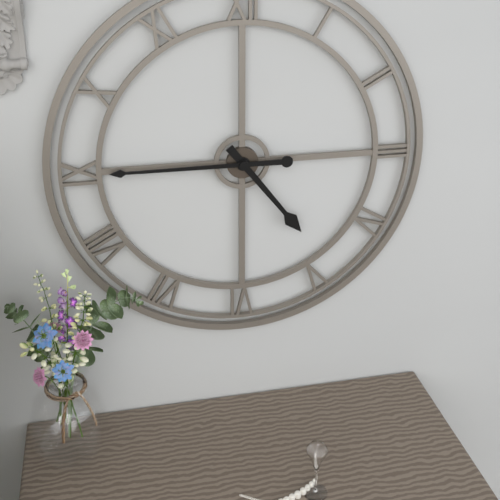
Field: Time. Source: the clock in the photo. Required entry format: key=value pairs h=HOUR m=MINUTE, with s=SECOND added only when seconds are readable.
h=4 m=45
